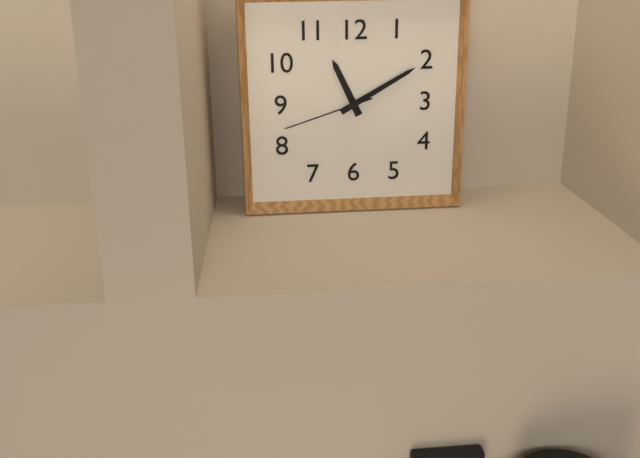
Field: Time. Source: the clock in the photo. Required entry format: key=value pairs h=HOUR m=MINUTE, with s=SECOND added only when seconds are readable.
h=11 m=10 s=42
